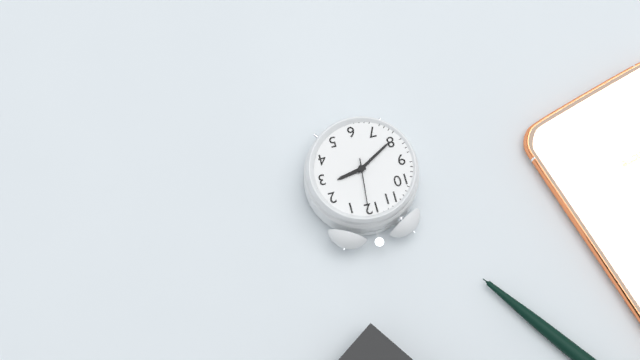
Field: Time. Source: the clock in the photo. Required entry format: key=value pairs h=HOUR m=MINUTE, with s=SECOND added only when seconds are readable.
h=2 m=40 s=1
